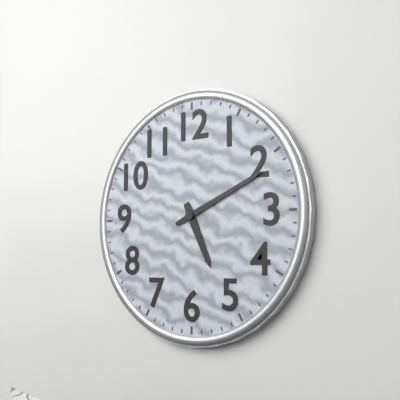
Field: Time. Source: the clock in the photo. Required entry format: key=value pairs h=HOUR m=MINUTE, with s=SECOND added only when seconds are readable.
h=5 m=11
